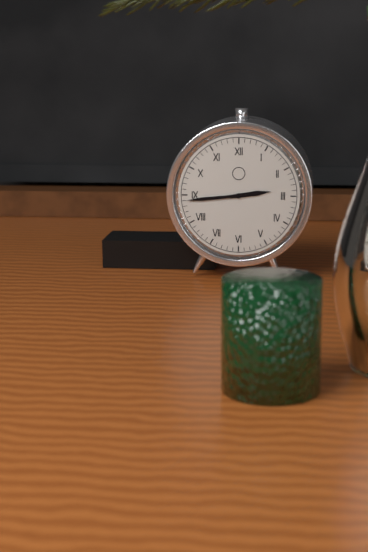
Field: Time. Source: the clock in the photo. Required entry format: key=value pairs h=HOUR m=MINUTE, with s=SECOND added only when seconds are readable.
h=2 m=44
